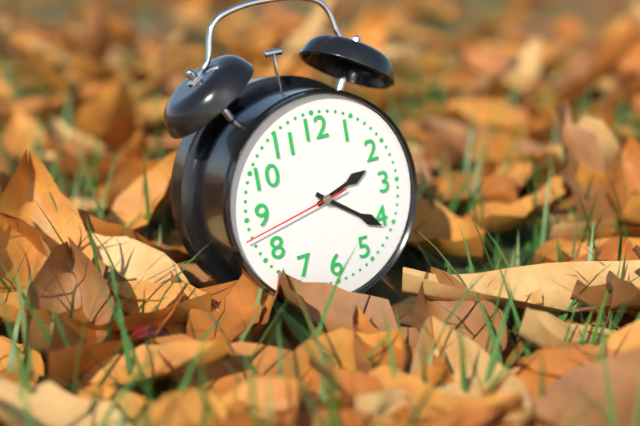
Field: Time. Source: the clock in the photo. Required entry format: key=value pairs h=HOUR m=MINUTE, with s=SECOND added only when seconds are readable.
h=2 m=21 s=43
